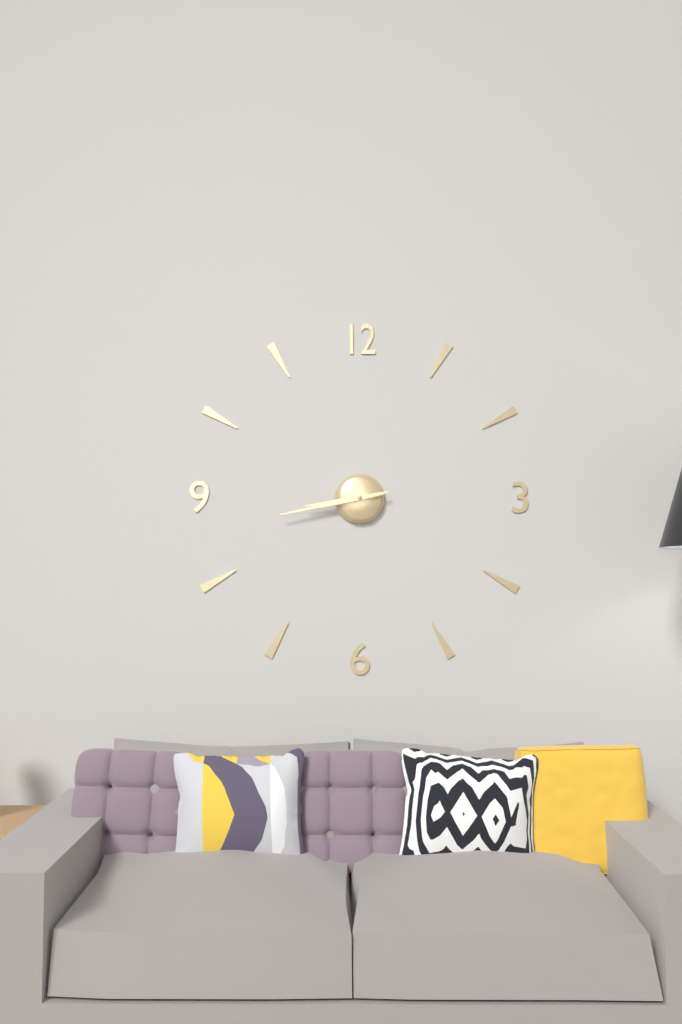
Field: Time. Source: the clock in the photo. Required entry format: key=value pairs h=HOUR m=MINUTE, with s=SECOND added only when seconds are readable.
h=8 m=43
